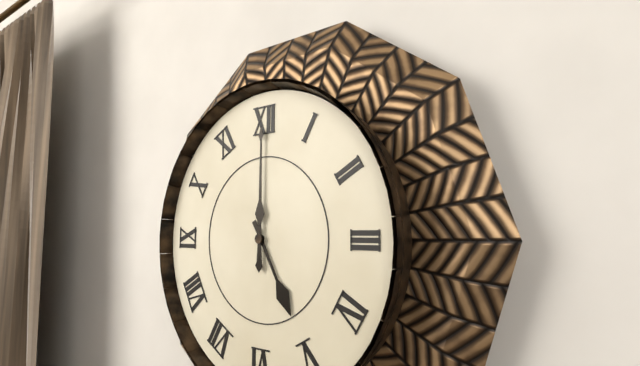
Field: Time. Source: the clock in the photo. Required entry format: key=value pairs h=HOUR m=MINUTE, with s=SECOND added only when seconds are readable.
h=5 m=0
